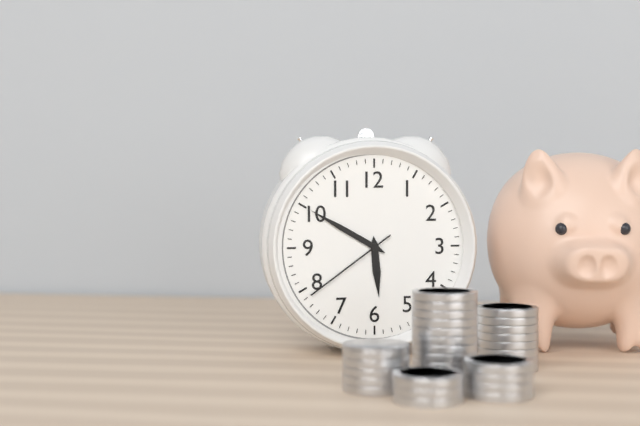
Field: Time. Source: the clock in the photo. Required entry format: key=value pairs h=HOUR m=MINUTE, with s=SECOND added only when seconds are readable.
h=5 m=50 s=39
